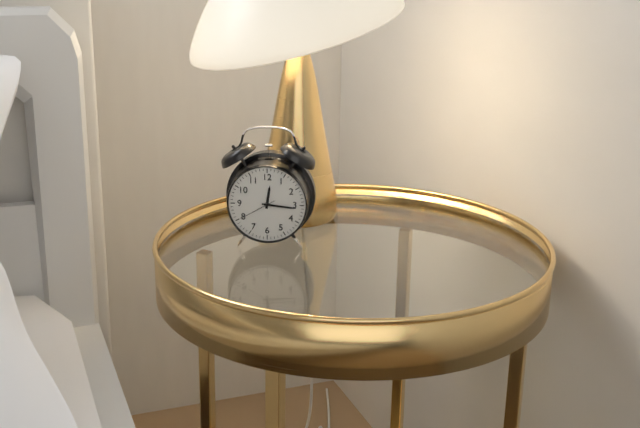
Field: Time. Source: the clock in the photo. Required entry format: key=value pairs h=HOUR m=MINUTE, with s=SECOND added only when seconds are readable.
h=12 m=16
